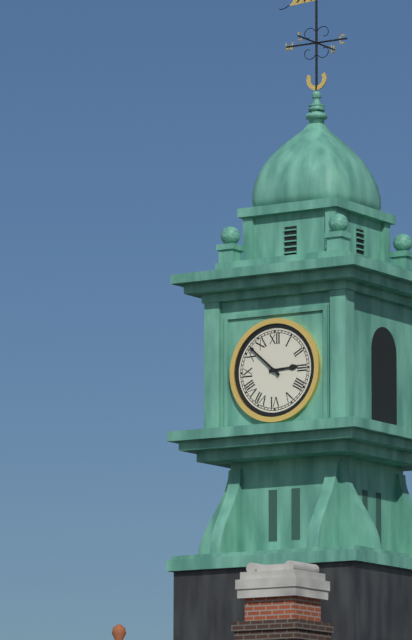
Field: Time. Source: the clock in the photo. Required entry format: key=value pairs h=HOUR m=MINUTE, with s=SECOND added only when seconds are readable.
h=2 m=52
